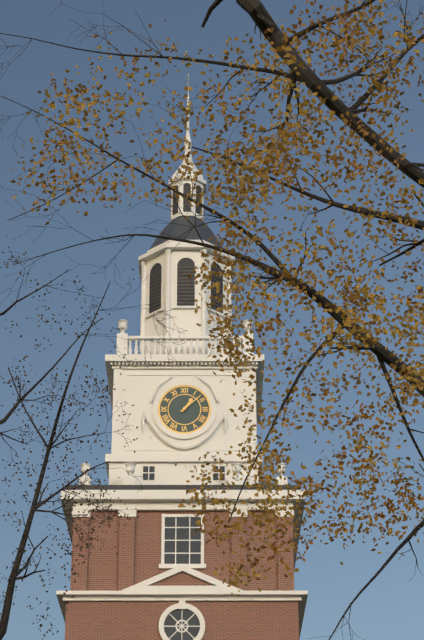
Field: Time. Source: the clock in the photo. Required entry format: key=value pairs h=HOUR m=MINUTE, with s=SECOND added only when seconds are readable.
h=1 m=8
